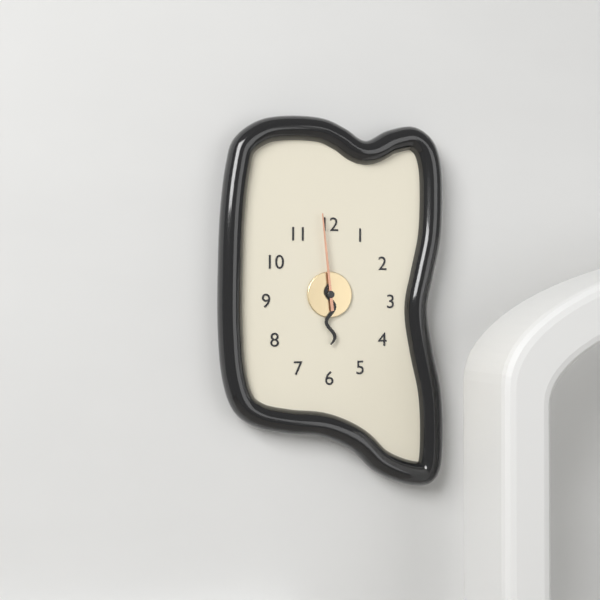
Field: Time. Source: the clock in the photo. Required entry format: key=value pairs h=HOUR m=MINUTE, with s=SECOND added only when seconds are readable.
h=5 m=59
